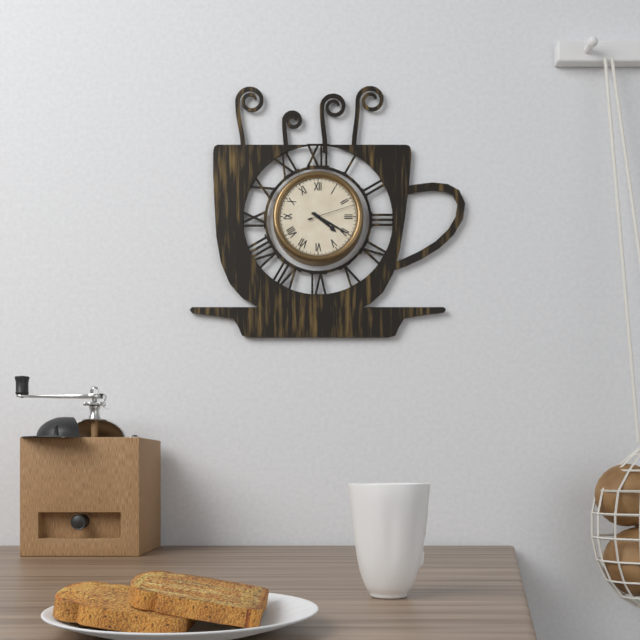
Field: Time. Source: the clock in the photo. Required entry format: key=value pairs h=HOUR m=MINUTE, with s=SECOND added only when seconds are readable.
h=4 m=20
